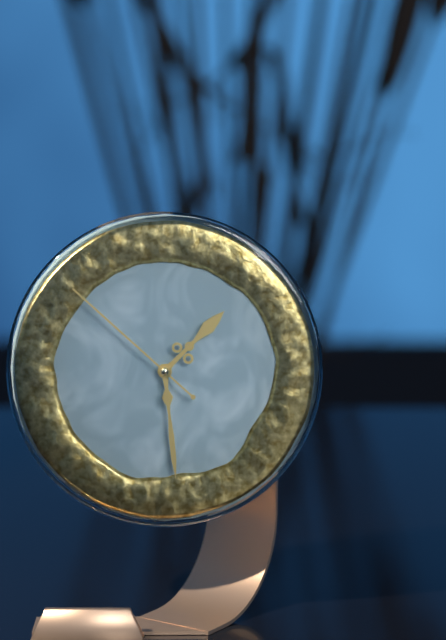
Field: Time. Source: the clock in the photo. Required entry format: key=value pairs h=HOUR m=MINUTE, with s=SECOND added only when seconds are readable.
h=1 m=29 s=52
